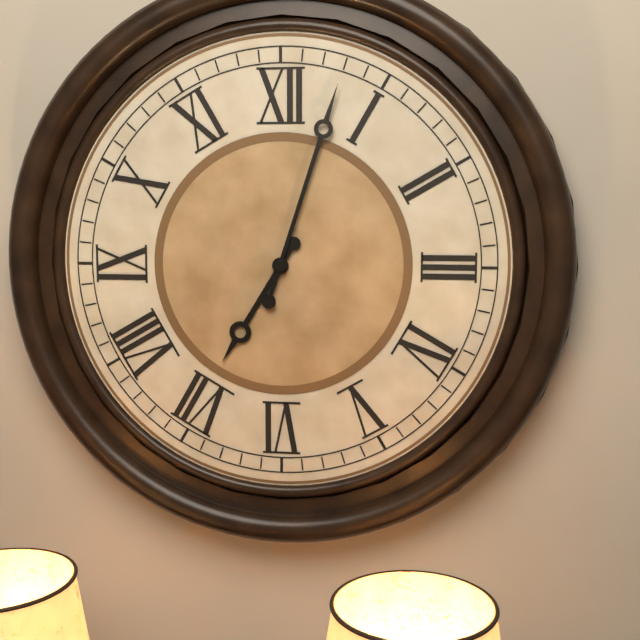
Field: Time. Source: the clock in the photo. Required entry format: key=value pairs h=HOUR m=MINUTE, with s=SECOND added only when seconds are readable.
h=7 m=3
